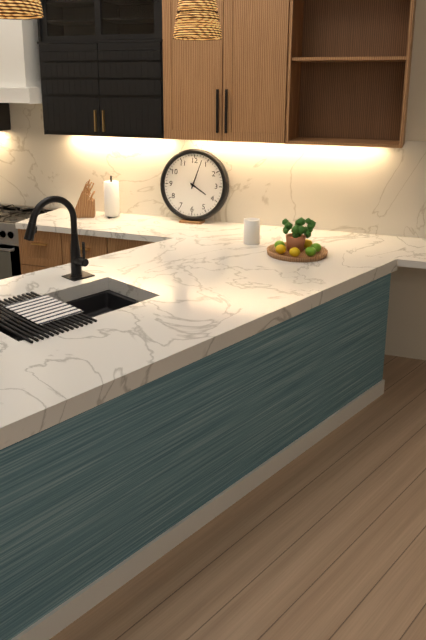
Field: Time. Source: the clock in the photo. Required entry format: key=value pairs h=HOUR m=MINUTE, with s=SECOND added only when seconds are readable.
h=4 m=3
